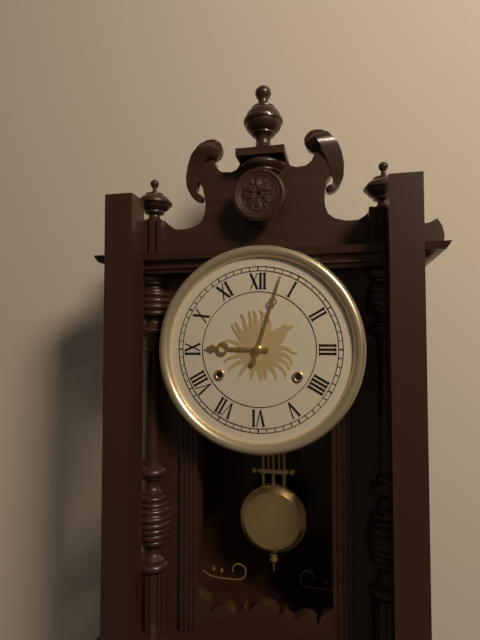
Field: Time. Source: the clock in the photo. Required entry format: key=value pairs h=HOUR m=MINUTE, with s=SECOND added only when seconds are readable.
h=9 m=3
